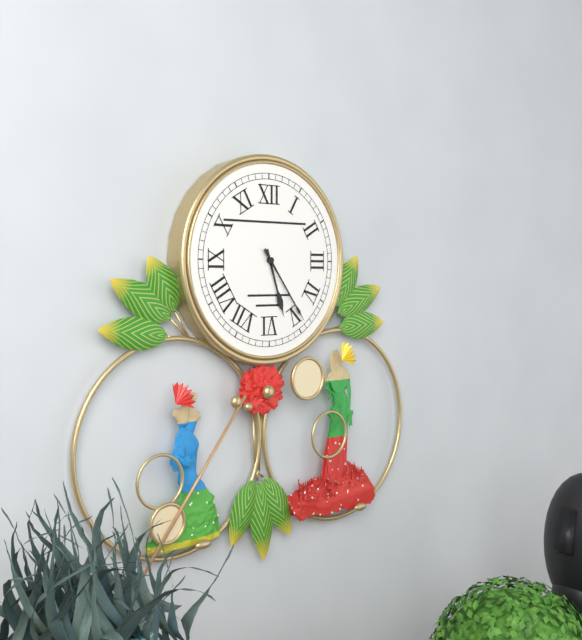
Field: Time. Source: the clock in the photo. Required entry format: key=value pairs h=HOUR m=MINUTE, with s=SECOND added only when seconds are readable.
h=5 m=24
